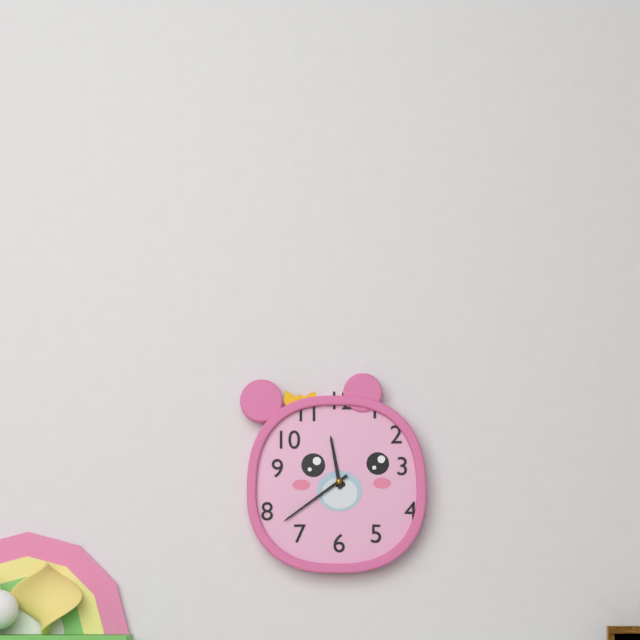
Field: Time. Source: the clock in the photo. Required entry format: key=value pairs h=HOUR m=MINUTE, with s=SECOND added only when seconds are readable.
h=11 m=39
